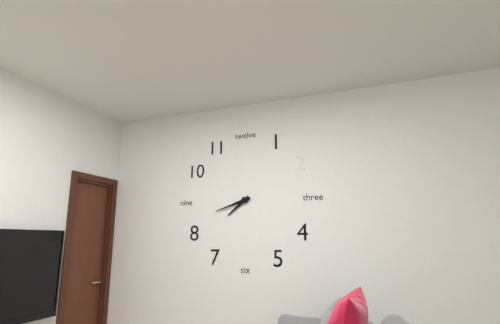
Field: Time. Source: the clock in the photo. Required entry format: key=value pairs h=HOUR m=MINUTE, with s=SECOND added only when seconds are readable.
h=7 m=42
